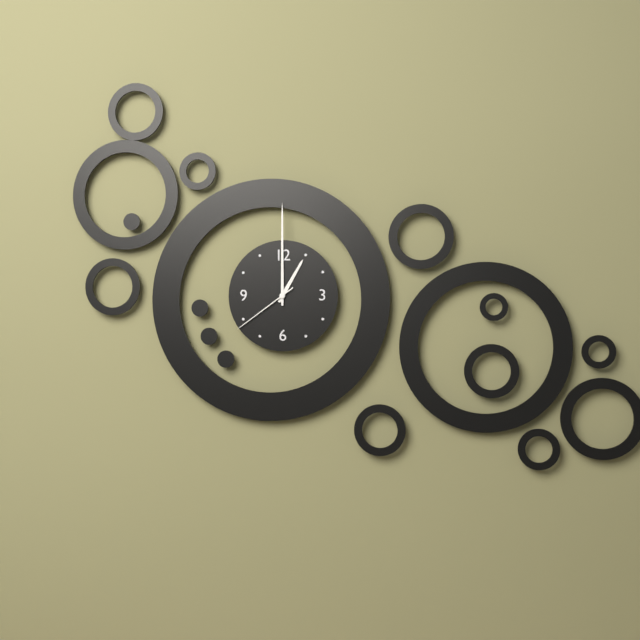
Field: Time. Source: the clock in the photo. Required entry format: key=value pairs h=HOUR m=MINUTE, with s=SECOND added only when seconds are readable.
h=1 m=0 s=39
